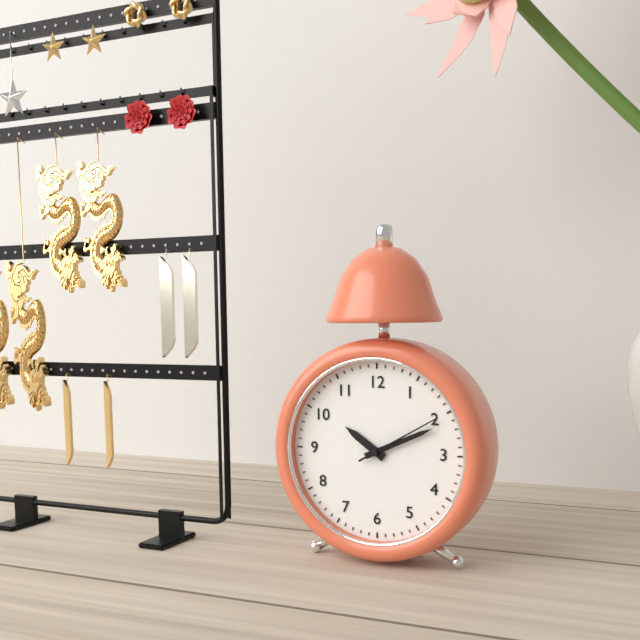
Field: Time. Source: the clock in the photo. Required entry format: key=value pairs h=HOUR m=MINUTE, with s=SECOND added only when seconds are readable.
h=10 m=11 s=10
